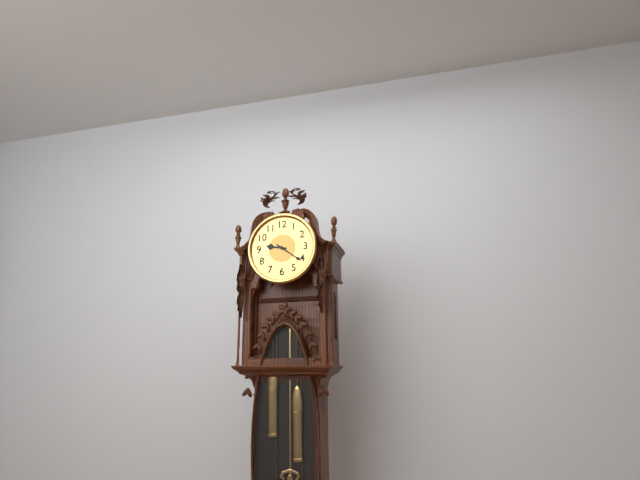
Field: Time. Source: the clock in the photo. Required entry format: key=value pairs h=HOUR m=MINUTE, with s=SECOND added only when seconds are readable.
h=9 m=21
